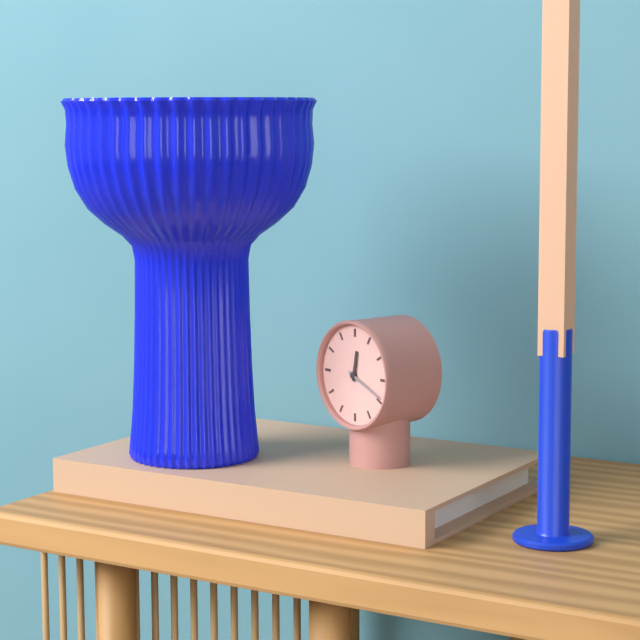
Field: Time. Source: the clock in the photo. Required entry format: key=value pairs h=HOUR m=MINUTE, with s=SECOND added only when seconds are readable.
h=12 m=19
